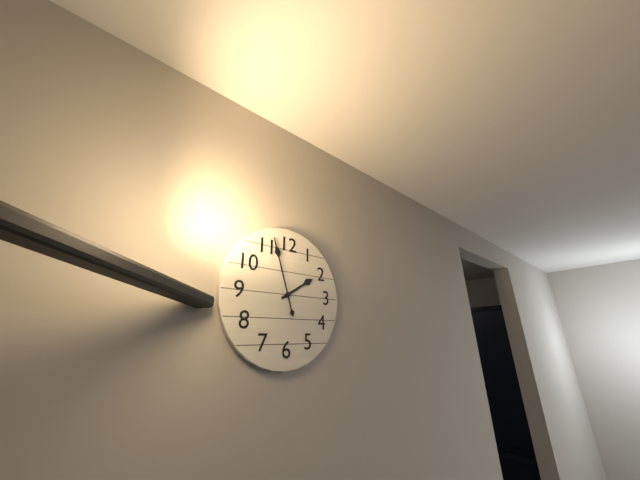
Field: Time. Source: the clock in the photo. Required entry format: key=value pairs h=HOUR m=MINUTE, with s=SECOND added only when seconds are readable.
h=1 m=57
